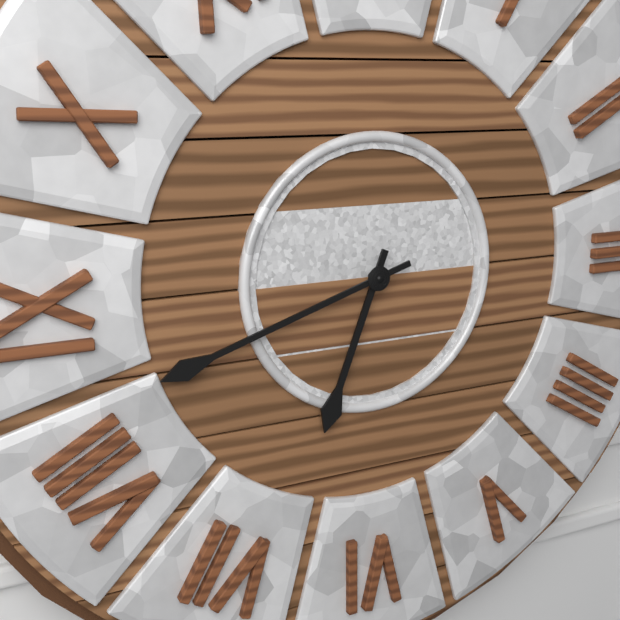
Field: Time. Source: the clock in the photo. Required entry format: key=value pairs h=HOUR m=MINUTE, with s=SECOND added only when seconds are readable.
h=6 m=42
